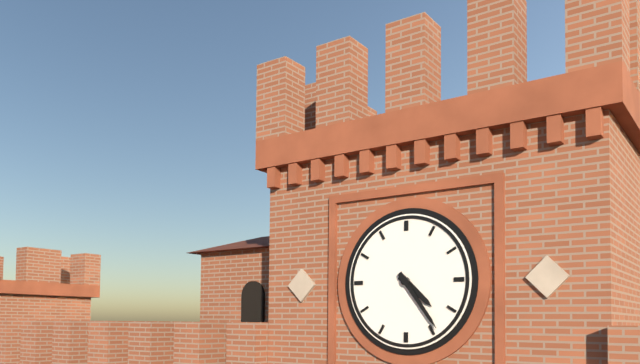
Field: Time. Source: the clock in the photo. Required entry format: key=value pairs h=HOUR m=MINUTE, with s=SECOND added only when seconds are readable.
h=4 m=24
